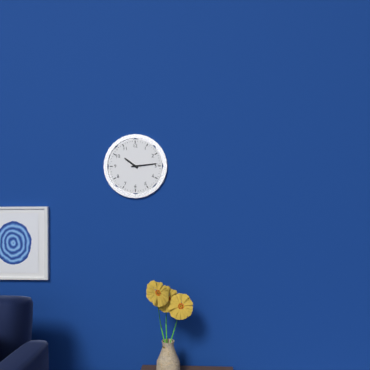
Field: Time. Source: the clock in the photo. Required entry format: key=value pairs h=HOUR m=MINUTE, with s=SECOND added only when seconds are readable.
h=10 m=14
